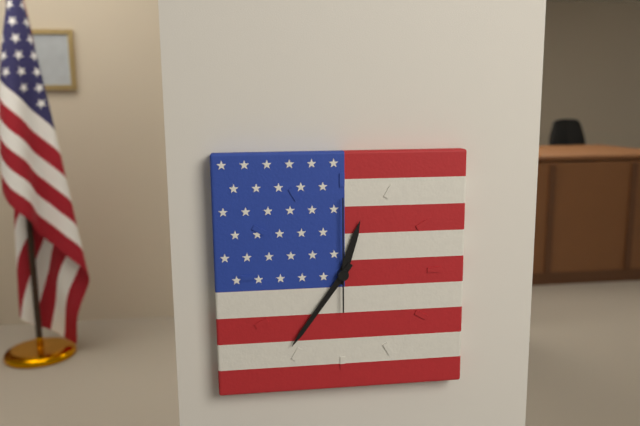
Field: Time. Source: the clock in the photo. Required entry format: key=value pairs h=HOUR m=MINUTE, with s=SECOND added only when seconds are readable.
h=12 m=36 s=0
